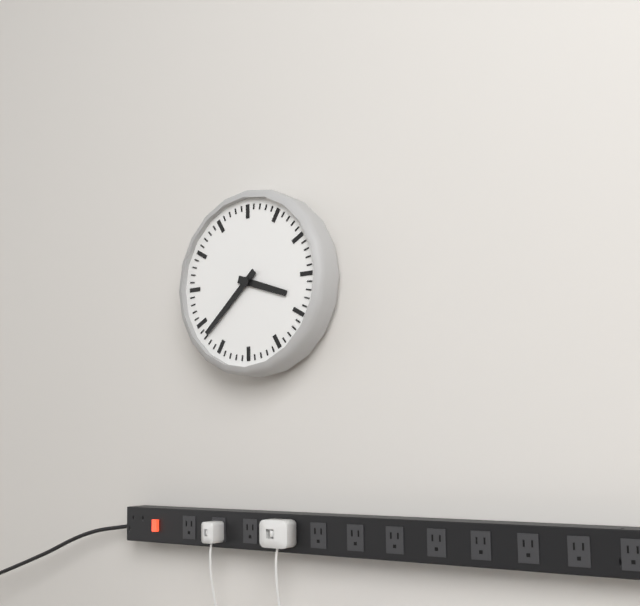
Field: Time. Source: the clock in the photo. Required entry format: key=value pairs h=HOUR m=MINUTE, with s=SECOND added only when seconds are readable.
h=3 m=38
